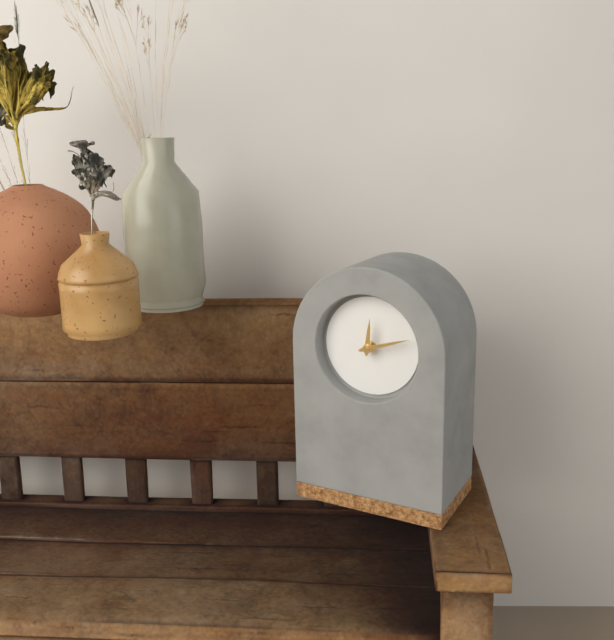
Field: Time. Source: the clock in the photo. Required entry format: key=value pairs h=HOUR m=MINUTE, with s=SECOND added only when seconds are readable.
h=12 m=12
